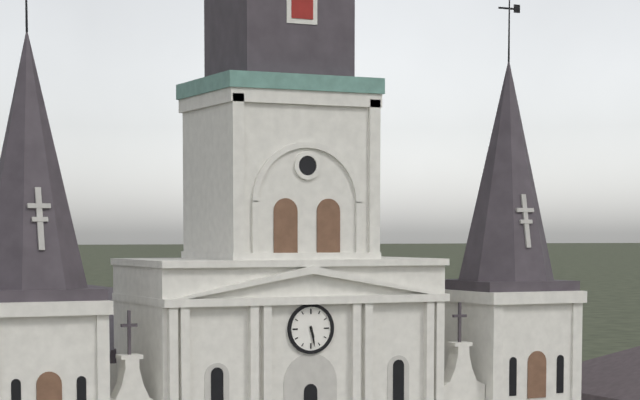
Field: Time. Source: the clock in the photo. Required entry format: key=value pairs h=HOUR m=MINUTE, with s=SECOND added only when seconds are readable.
h=5 m=28
